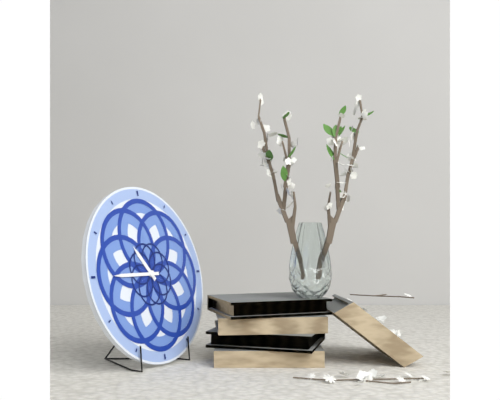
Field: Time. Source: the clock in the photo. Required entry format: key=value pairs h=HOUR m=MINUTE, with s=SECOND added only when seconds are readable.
h=10 m=45
